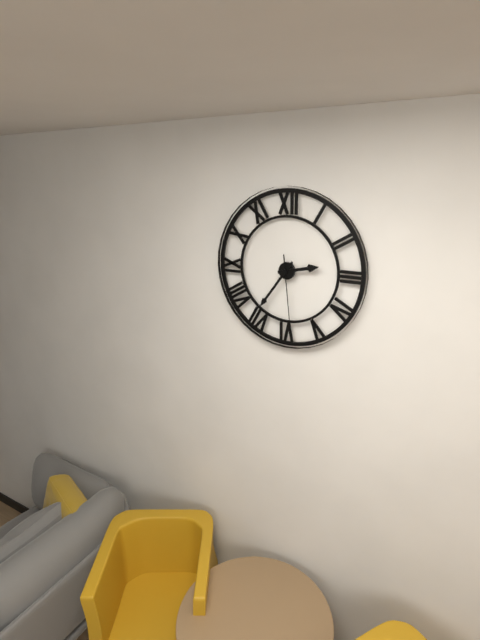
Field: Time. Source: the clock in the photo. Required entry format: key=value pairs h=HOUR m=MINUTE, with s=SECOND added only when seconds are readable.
h=2 m=36 s=29
